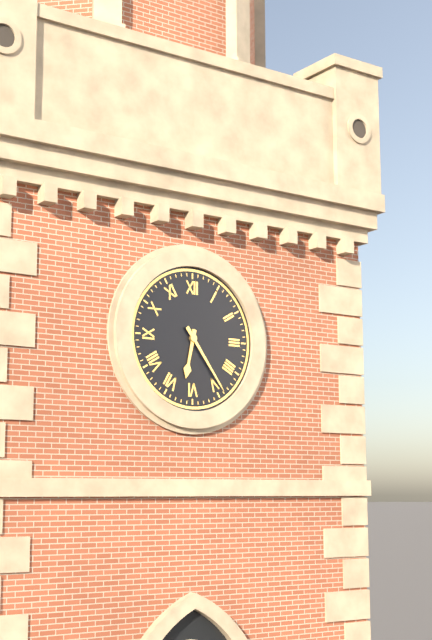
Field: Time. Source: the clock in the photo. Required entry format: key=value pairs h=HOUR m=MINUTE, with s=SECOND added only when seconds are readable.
h=6 m=24
